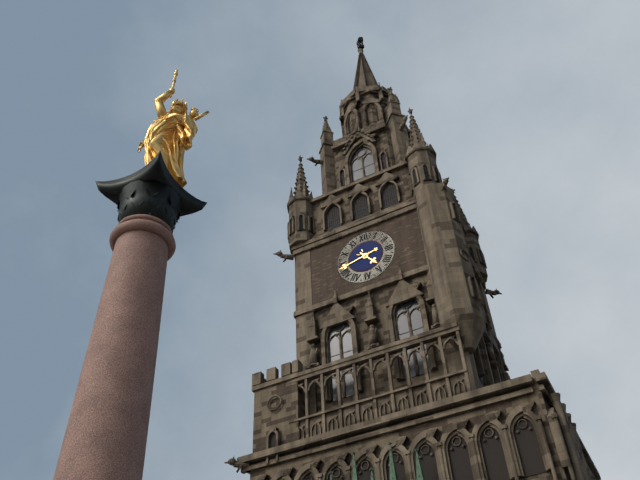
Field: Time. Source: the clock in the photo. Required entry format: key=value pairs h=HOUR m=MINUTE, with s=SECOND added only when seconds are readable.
h=4 m=43
